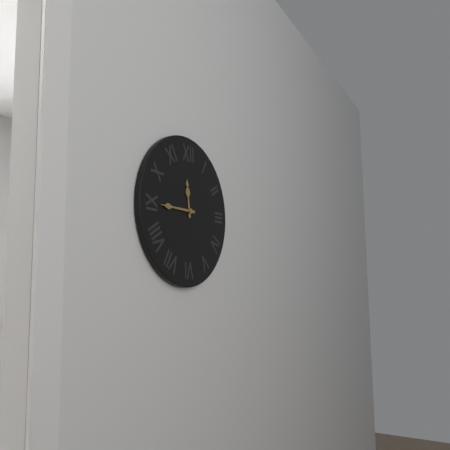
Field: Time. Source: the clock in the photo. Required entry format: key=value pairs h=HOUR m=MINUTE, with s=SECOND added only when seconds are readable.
h=11 m=45
